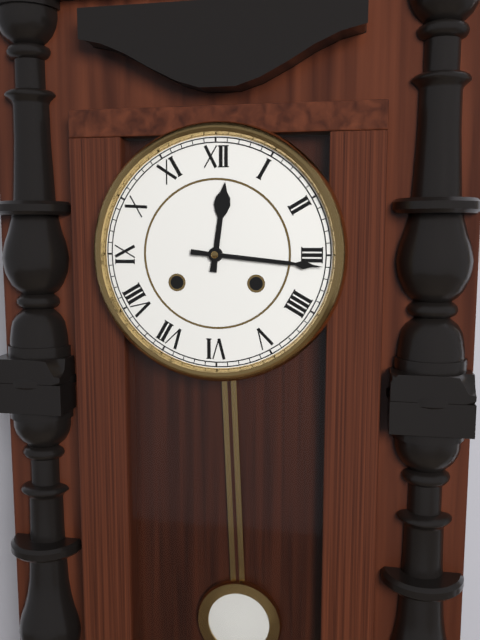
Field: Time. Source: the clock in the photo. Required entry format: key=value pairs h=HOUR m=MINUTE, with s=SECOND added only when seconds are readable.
h=12 m=16
